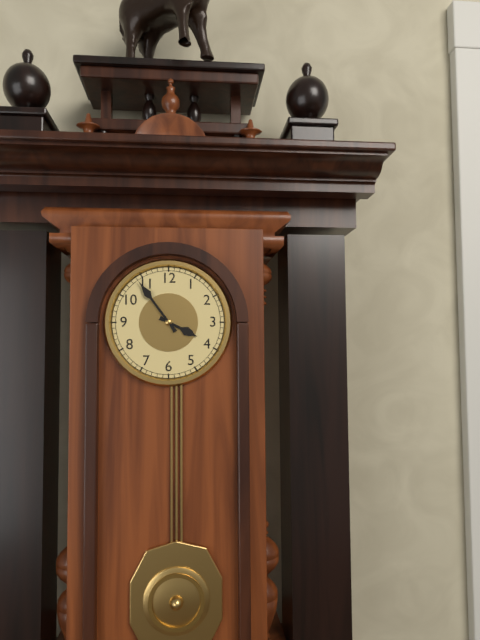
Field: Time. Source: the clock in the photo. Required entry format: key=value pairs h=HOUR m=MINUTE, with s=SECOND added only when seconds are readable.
h=3 m=54
